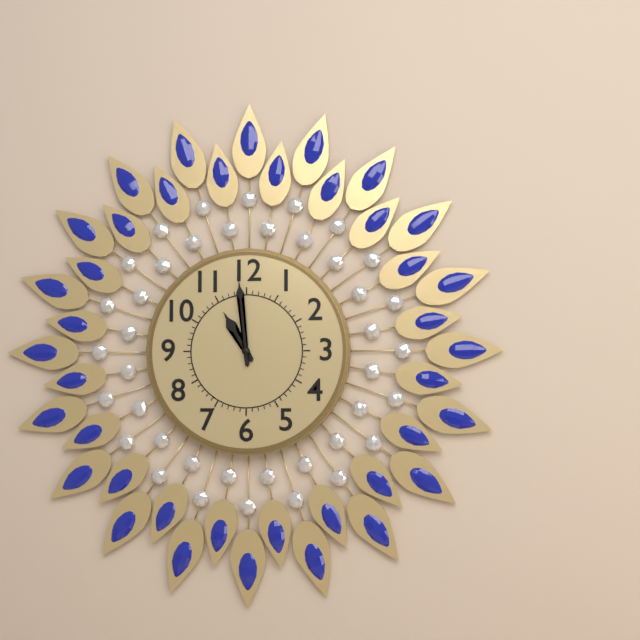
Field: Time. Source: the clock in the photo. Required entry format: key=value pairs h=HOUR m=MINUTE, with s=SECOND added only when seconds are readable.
h=10 m=59
